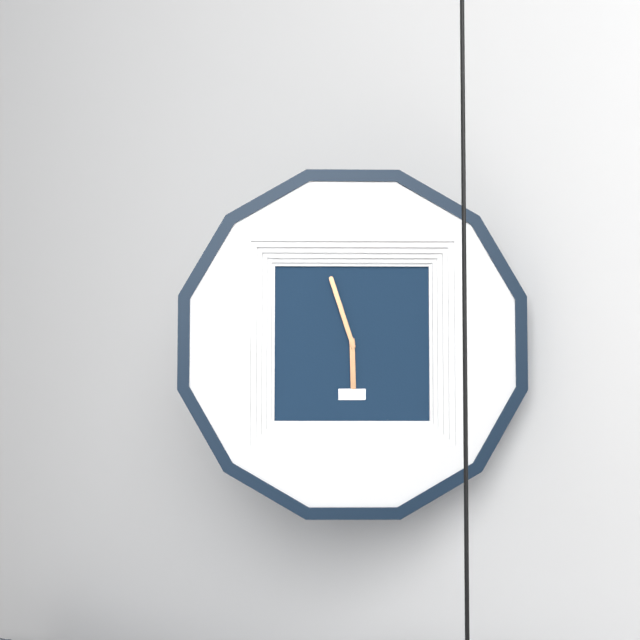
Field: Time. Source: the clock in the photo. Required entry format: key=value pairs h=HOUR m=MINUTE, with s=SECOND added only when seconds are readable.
h=5 m=57
